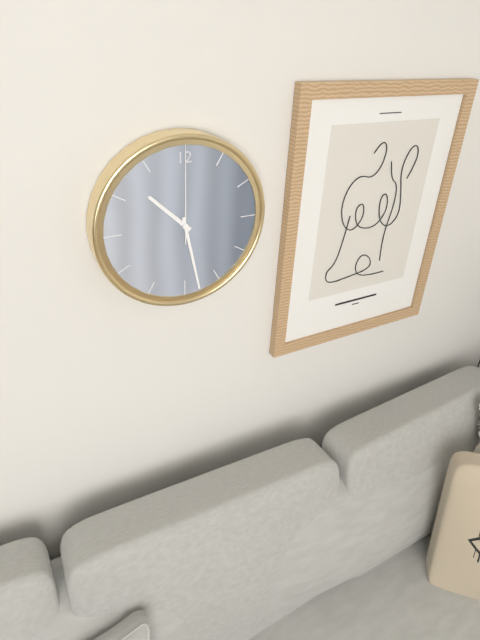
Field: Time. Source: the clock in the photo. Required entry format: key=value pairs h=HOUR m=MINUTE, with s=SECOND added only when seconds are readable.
h=10 m=28 s=0
